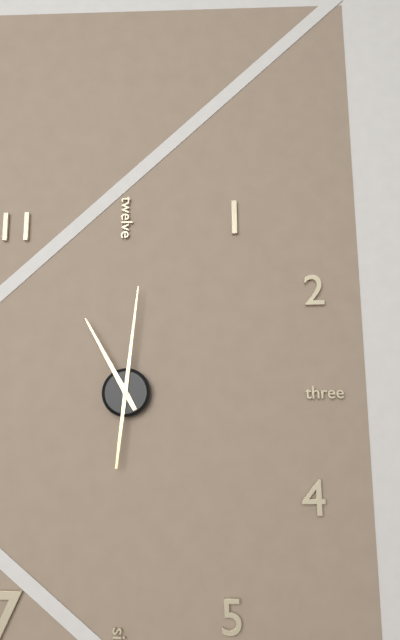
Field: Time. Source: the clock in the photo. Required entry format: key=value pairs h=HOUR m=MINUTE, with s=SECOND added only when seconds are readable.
h=11 m=1
